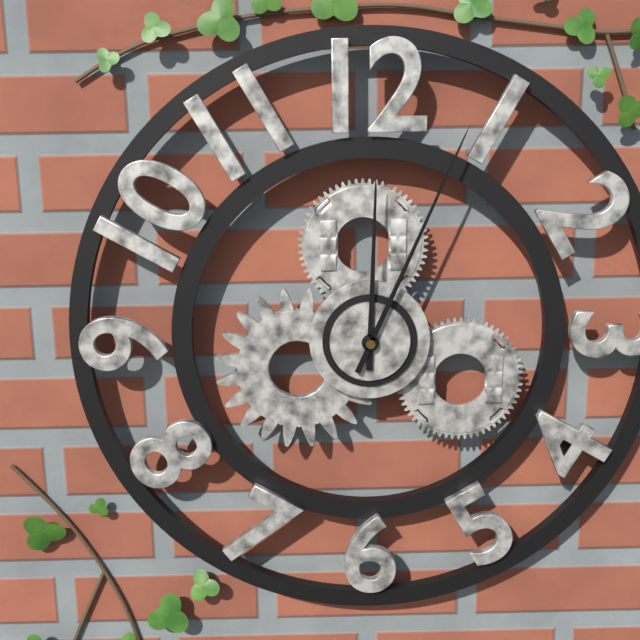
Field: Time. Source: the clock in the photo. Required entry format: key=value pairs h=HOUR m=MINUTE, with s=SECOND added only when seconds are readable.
h=12 m=4
